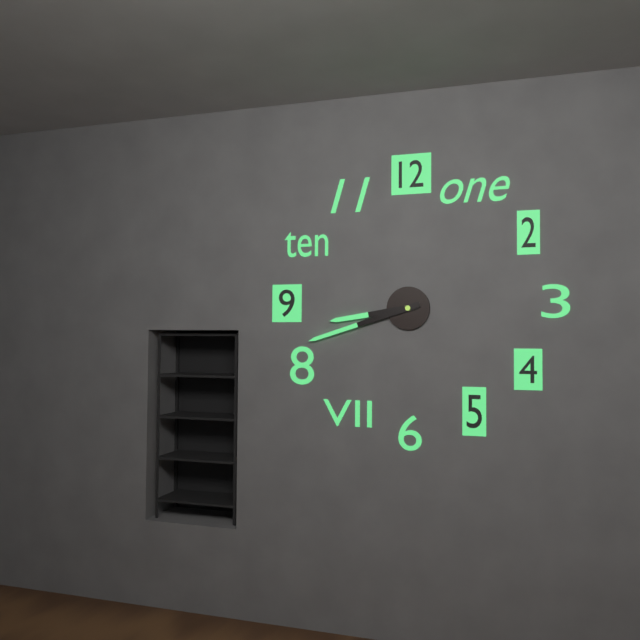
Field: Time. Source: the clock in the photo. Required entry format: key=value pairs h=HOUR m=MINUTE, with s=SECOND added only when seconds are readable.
h=8 m=42
